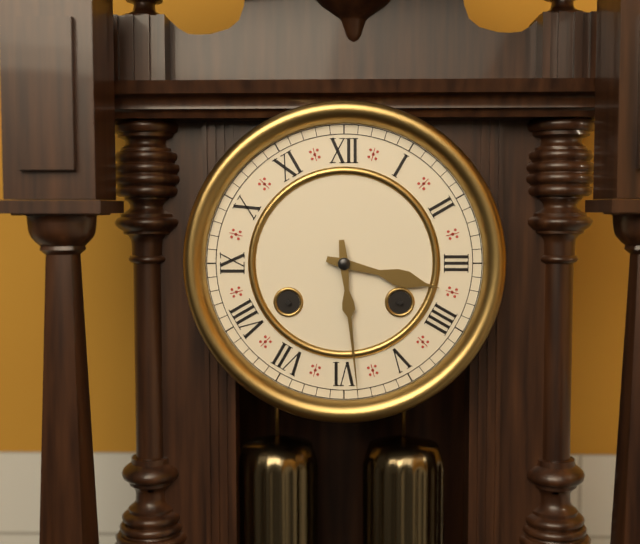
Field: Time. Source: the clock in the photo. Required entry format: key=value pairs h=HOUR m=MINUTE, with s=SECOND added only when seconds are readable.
h=3 m=29
